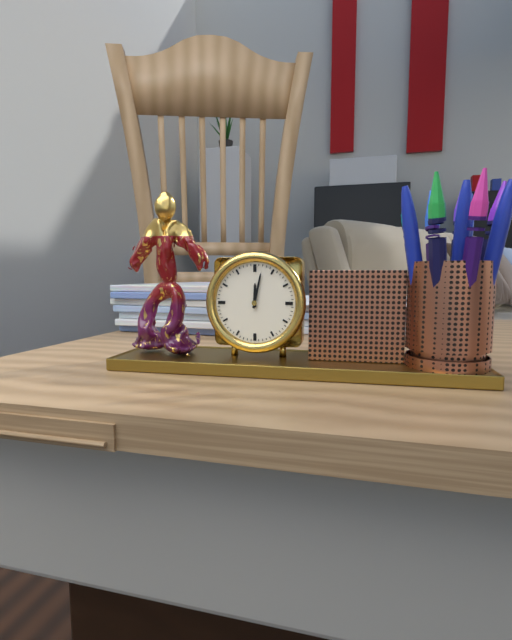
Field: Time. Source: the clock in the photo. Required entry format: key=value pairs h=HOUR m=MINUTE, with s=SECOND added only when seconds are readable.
h=12 m=2
